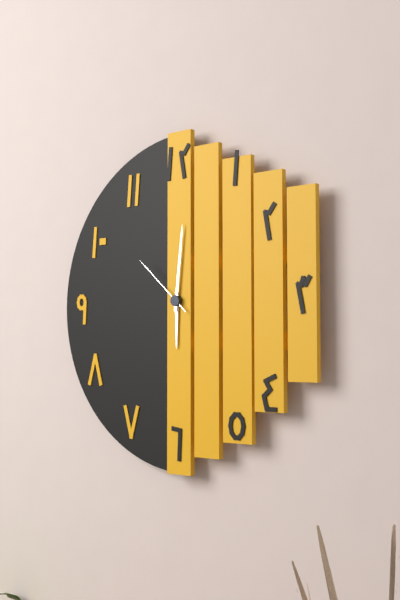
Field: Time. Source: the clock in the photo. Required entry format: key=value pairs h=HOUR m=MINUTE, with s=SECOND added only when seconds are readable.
h=6 m=1 s=52
